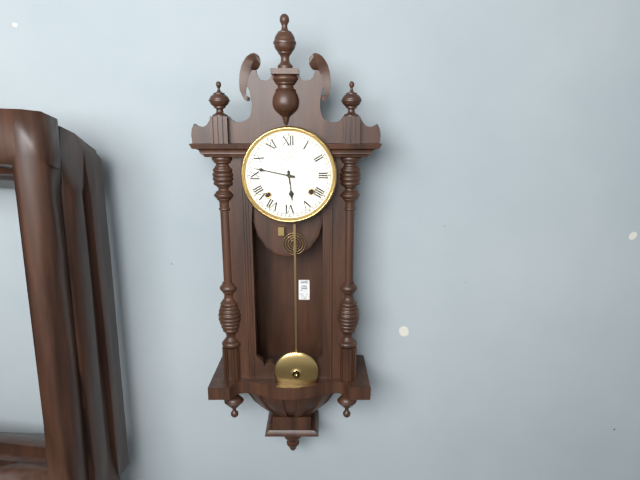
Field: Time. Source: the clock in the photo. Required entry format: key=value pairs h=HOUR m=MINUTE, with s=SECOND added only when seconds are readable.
h=5 m=47
